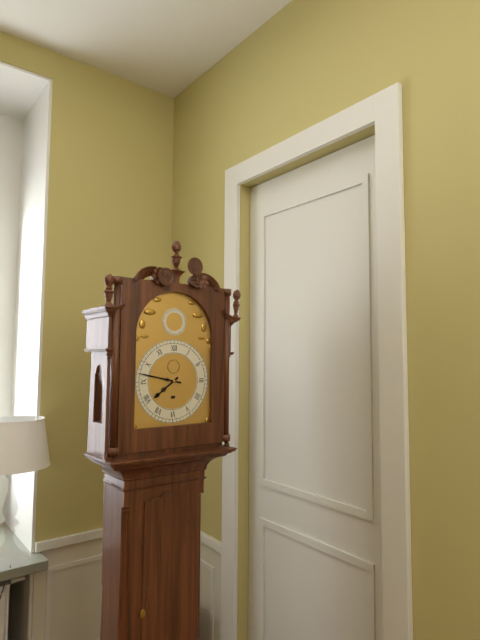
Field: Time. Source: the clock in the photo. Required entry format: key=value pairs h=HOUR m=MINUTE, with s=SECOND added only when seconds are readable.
h=7 m=47
